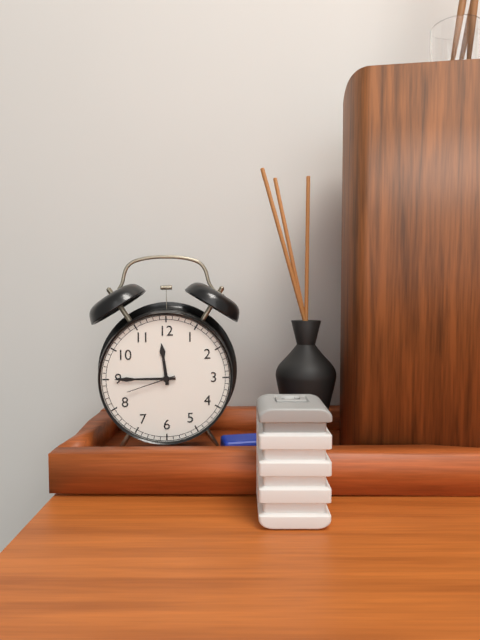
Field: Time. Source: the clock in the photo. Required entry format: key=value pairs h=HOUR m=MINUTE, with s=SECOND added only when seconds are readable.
h=11 m=45 s=42
